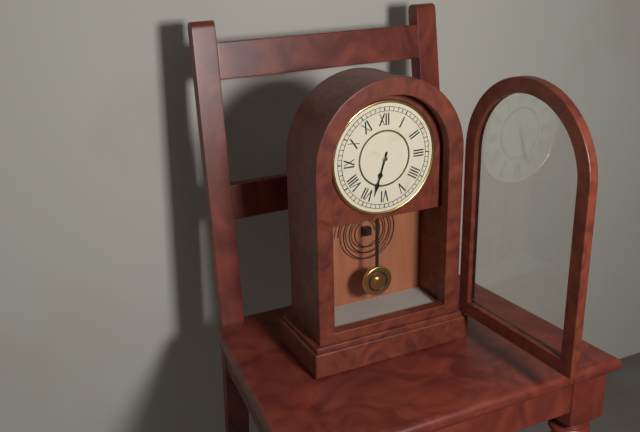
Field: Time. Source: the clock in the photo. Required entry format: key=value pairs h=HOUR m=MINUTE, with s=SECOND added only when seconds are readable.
h=6 m=33
